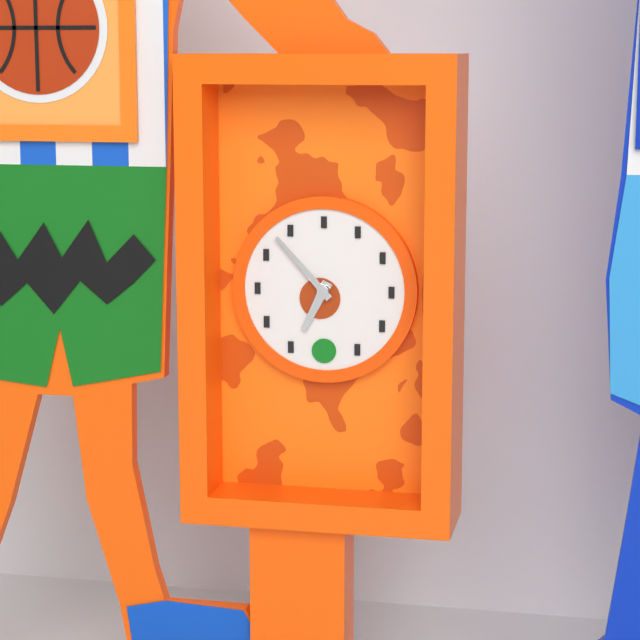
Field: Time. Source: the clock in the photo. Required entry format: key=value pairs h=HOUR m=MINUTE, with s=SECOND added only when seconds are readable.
h=6 m=53
